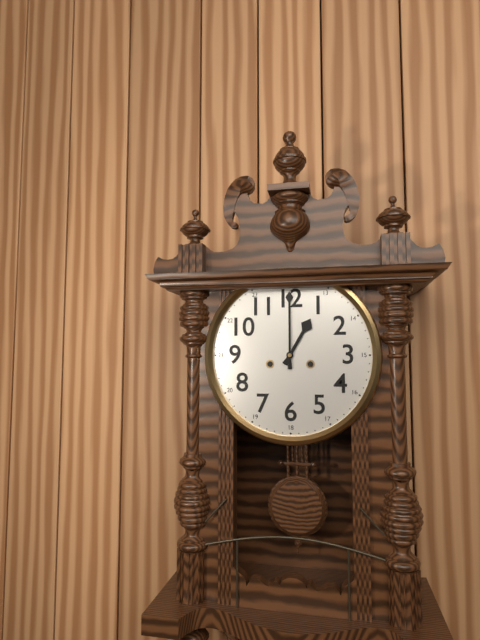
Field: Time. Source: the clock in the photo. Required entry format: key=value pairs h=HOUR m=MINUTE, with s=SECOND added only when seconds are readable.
h=1 m=0
